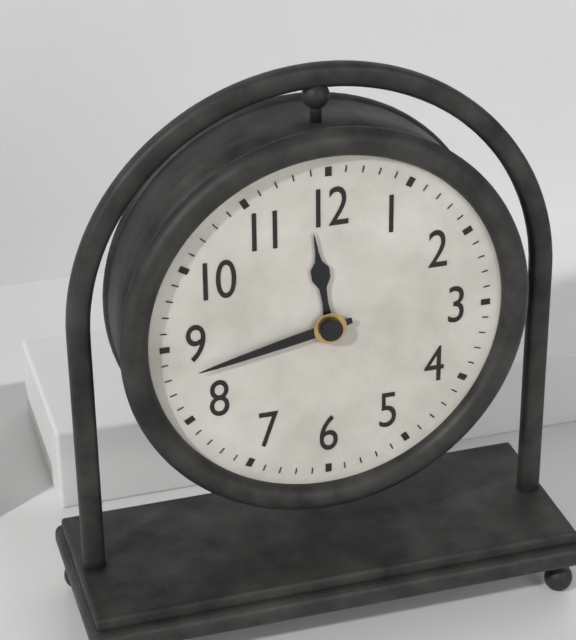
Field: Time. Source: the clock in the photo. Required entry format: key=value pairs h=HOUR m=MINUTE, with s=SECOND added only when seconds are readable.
h=11 m=43
